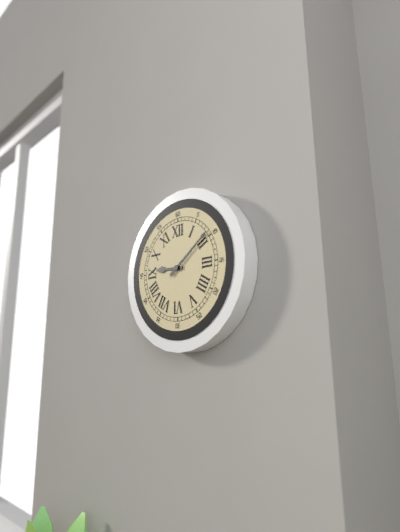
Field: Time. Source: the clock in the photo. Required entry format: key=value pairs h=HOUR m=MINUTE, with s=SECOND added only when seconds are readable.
h=9 m=9
